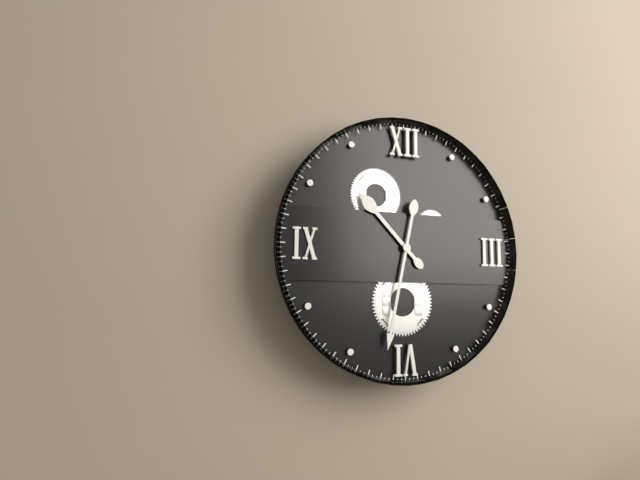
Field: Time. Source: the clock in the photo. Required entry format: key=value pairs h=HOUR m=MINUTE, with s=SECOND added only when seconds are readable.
h=10 m=32
